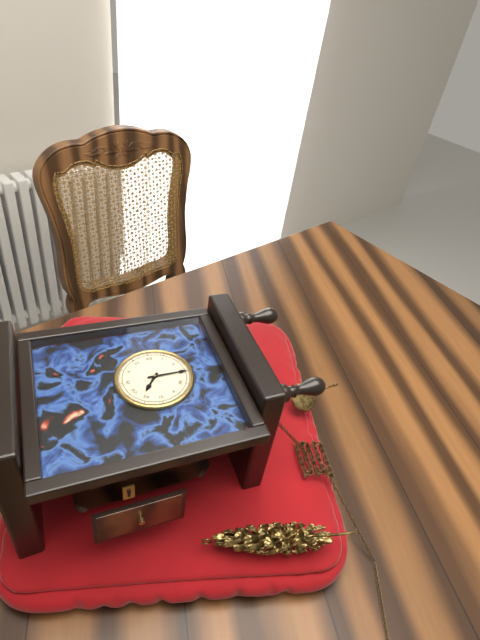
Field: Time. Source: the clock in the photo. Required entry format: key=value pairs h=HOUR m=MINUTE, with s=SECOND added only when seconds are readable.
h=7 m=15
